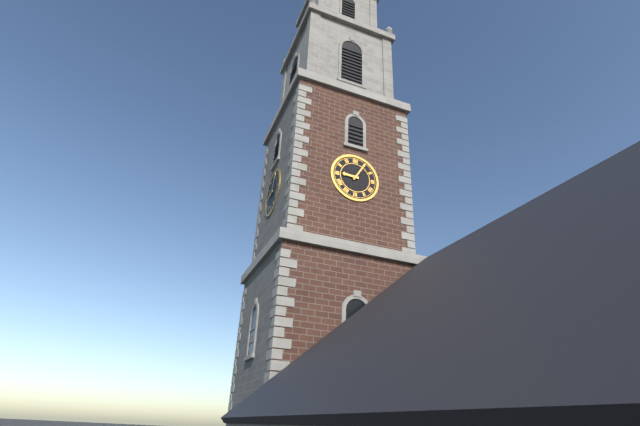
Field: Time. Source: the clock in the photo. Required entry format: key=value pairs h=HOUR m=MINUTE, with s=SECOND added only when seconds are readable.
h=9 m=5
